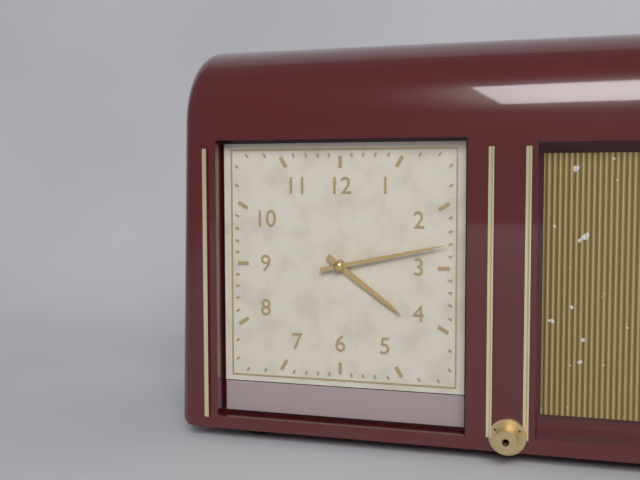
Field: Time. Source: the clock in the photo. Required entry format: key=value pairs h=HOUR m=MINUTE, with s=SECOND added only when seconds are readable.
h=4 m=13
